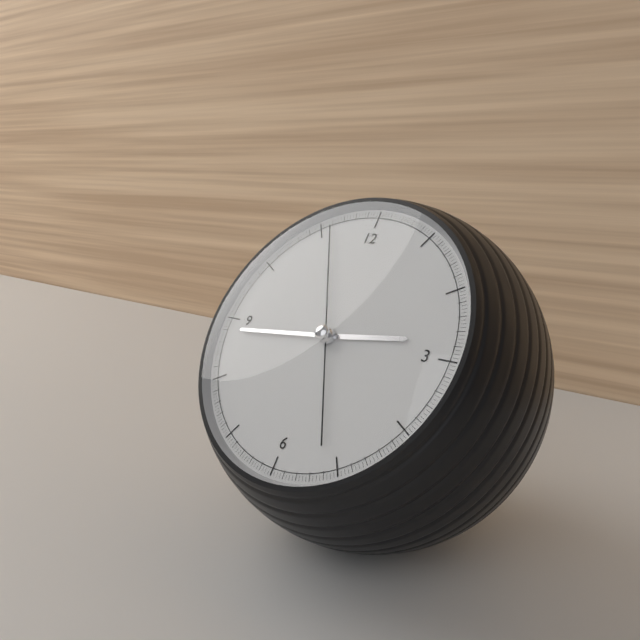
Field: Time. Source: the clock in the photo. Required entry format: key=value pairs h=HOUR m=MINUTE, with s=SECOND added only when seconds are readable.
h=2 m=44 s=56
